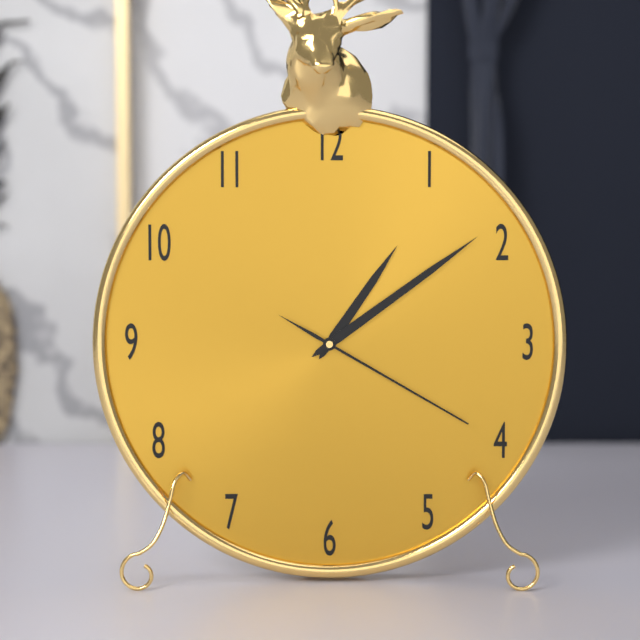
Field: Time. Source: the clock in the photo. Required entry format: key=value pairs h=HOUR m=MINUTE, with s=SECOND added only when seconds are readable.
h=1 m=9 s=20
